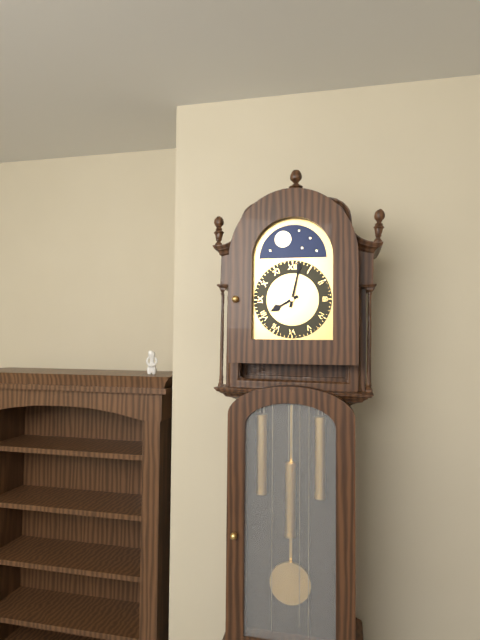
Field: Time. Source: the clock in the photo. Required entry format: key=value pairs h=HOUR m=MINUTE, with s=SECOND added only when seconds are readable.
h=8 m=2
